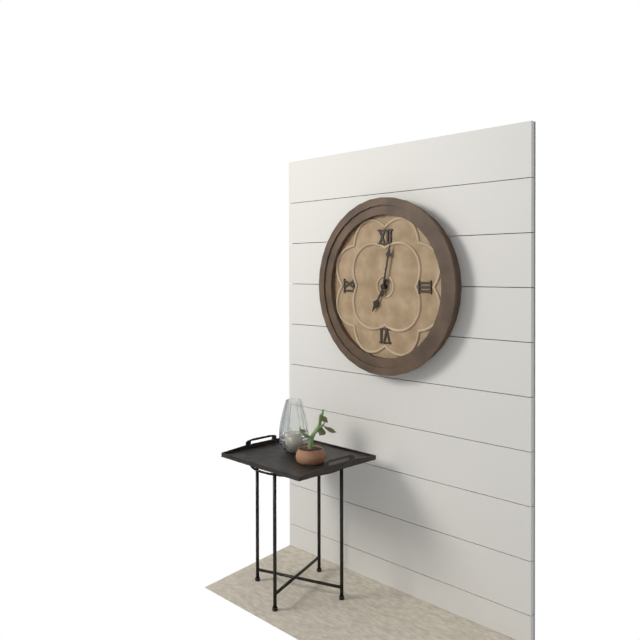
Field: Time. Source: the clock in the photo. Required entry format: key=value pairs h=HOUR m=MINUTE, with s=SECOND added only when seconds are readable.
h=7 m=2
